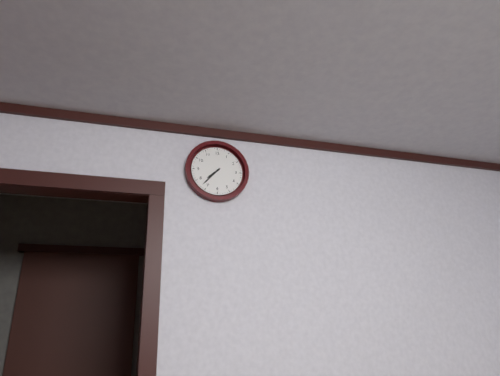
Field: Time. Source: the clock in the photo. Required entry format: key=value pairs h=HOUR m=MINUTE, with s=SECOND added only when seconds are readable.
h=7 m=37
